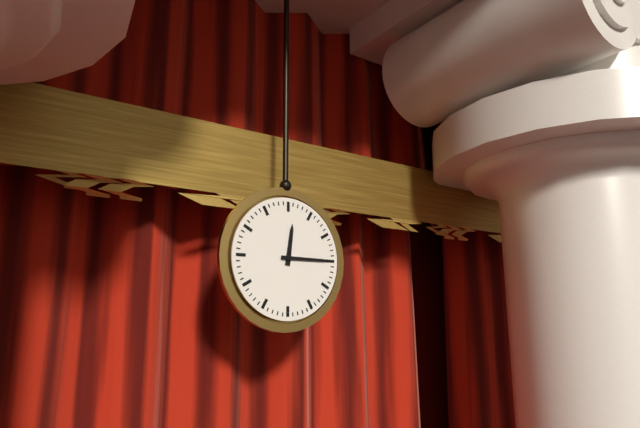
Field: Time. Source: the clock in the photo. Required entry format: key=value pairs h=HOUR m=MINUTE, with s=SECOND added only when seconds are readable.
h=12 m=15
